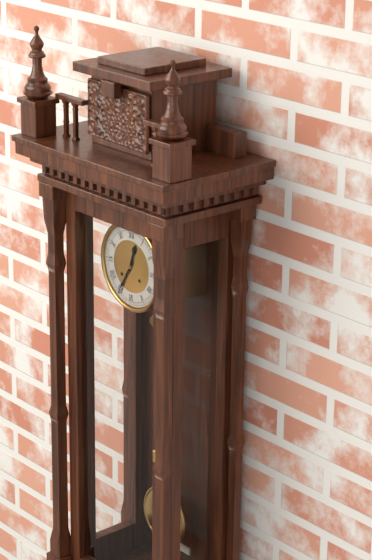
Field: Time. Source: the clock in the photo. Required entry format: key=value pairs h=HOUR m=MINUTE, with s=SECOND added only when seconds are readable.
h=12 m=35
